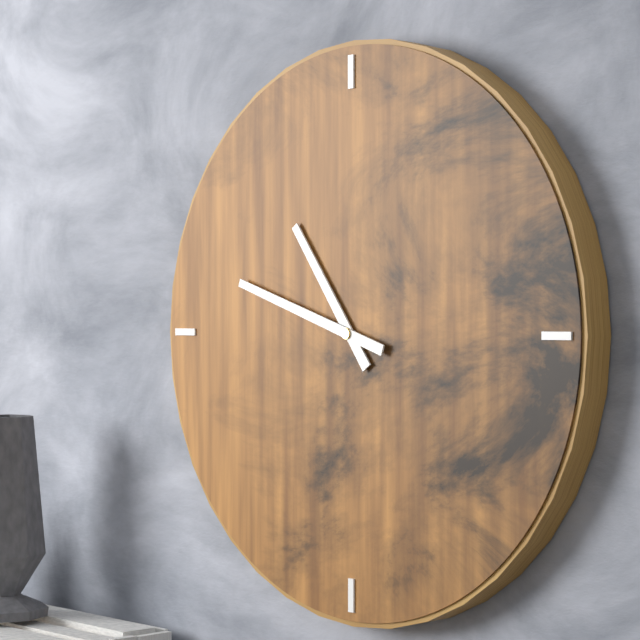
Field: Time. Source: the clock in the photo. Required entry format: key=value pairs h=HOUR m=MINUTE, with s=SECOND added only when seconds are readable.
h=10 m=48
